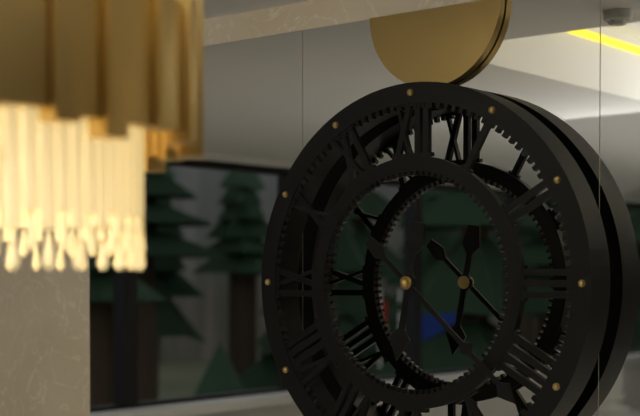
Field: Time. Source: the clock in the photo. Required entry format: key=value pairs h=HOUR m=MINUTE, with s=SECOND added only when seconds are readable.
h=6 m=22
